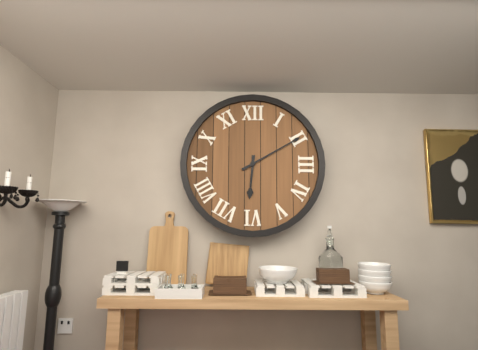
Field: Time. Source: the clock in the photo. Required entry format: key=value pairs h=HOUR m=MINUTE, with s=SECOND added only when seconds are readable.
h=6 m=10
